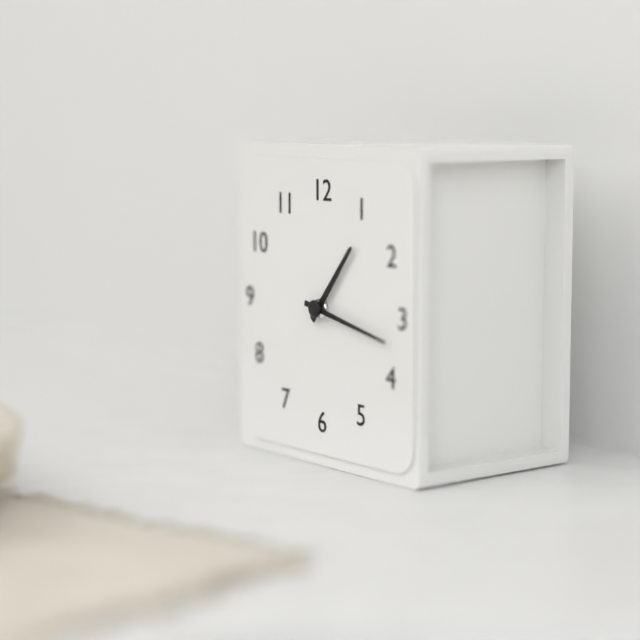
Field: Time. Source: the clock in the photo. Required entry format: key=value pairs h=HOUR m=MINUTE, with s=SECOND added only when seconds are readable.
h=1 m=17
